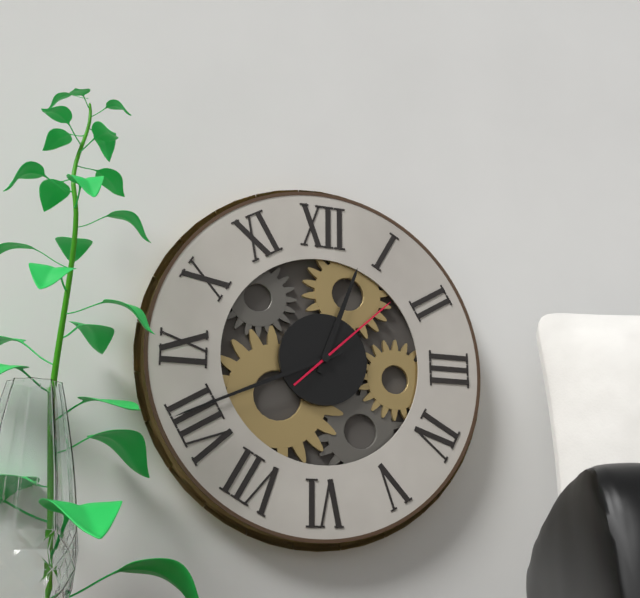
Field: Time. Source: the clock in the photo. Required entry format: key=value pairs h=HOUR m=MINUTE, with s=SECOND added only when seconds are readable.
h=12 m=41 s=8
